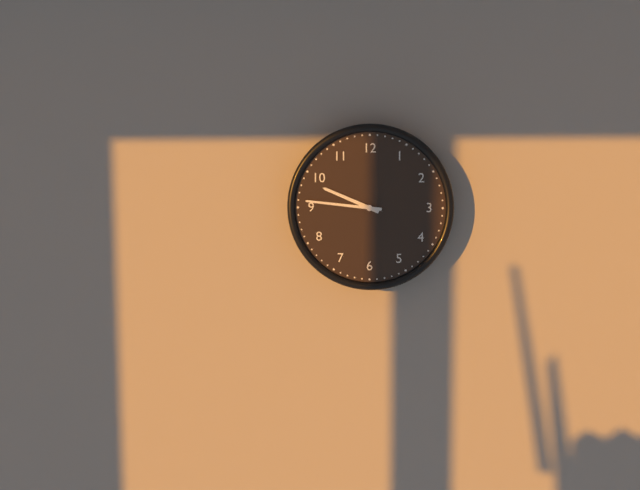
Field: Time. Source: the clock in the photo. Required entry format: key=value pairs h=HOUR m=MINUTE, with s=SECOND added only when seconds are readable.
h=9 m=46
